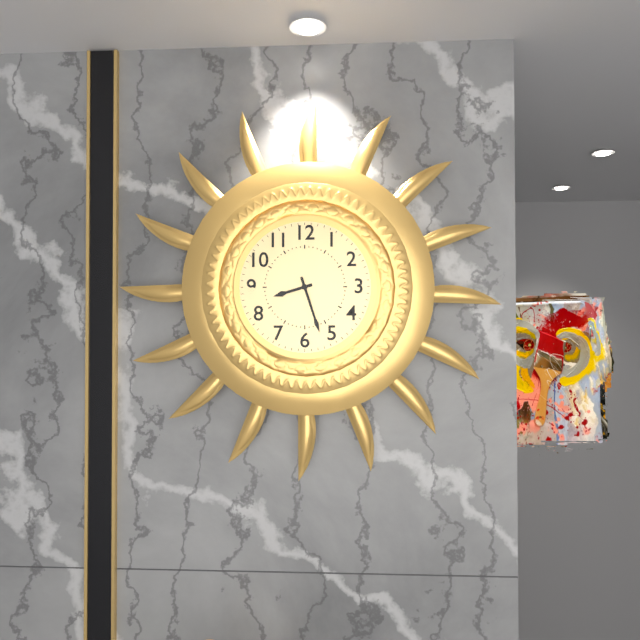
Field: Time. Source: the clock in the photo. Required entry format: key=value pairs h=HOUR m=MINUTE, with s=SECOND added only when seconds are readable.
h=8 m=27
